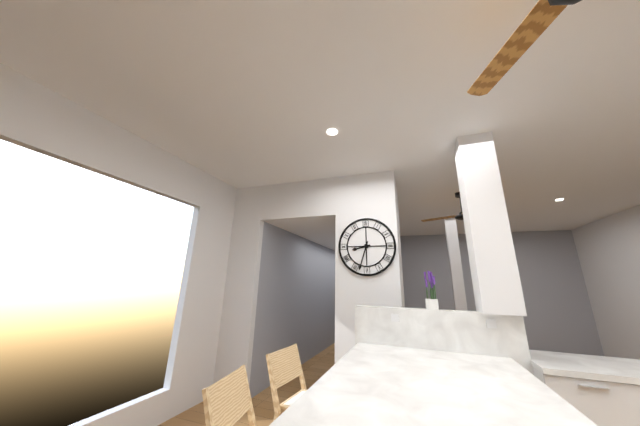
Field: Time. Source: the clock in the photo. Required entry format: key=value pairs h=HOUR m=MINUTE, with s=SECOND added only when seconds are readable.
h=8 m=33
